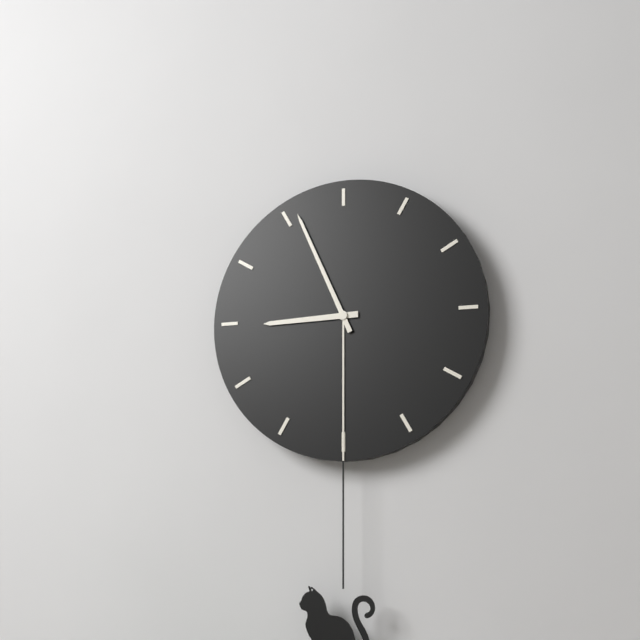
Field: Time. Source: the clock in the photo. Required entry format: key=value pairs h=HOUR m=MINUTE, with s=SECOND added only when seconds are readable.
h=8 m=56
